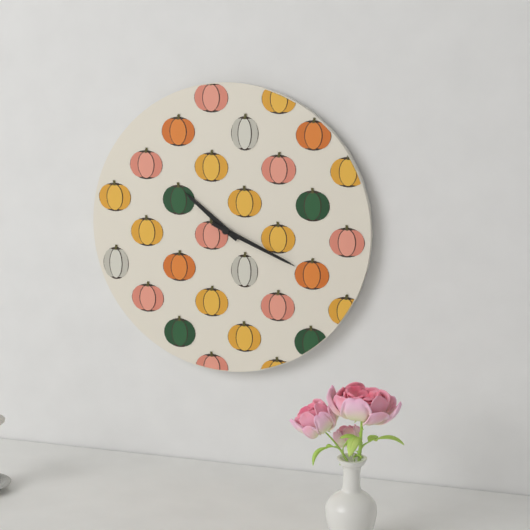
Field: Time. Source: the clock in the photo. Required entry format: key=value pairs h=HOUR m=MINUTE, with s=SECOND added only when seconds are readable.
h=10 m=19
